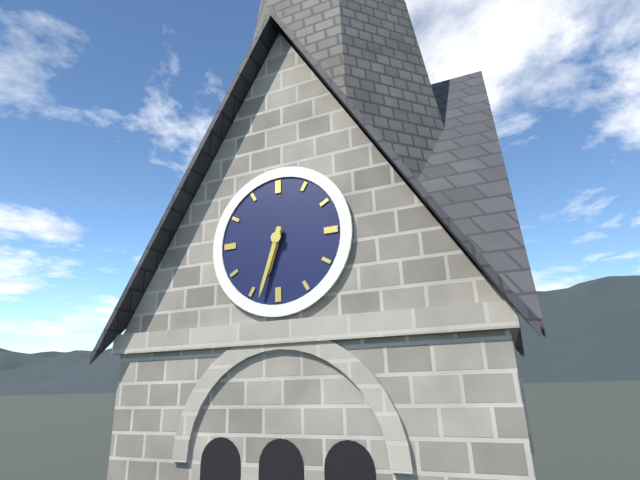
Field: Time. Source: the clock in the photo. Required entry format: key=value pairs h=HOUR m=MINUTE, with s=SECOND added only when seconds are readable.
h=6 m=33
